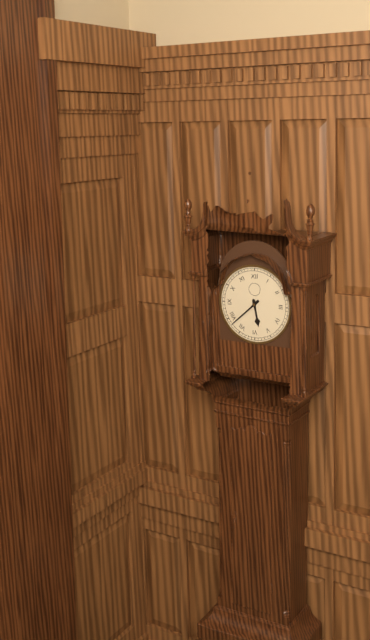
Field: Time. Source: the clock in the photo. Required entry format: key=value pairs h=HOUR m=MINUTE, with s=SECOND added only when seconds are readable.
h=5 m=38
